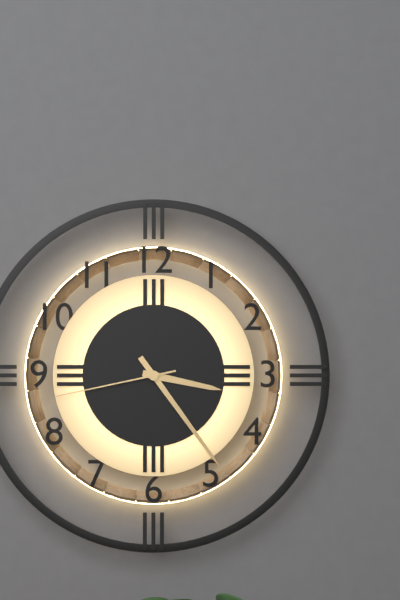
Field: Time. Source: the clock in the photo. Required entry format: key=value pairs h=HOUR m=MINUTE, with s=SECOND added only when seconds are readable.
h=3 m=24 s=43
